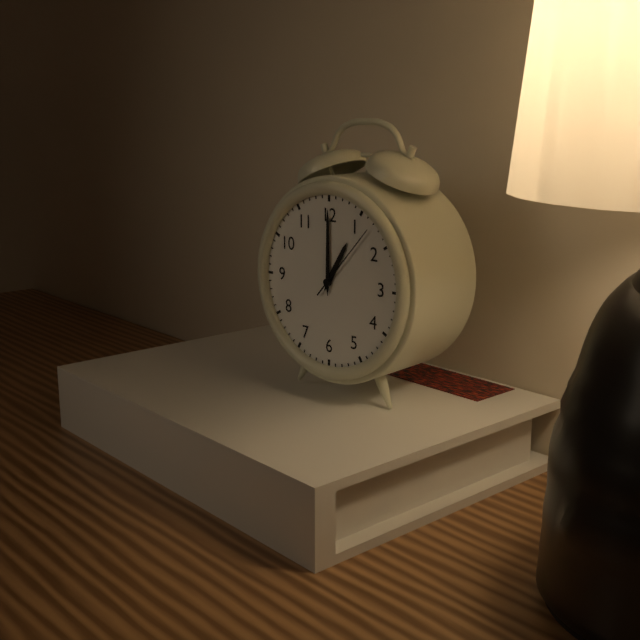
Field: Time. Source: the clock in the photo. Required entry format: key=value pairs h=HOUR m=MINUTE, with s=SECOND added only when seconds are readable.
h=1 m=0 s=7
